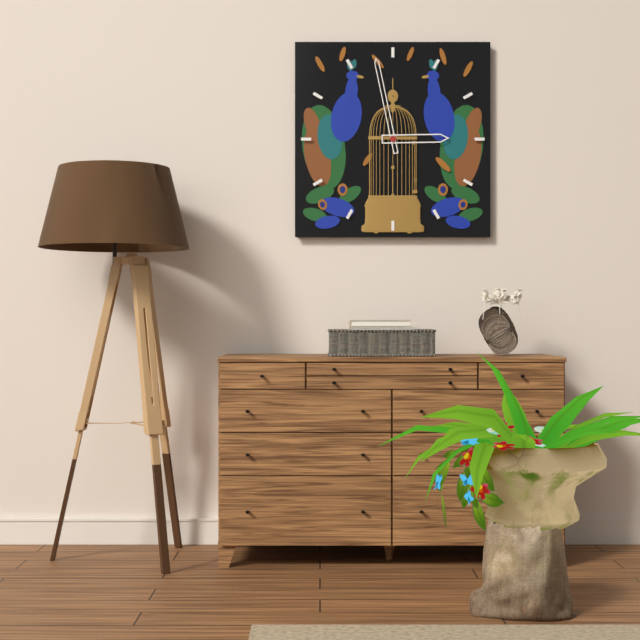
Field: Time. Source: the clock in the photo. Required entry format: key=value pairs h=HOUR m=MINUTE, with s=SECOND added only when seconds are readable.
h=2 m=58
